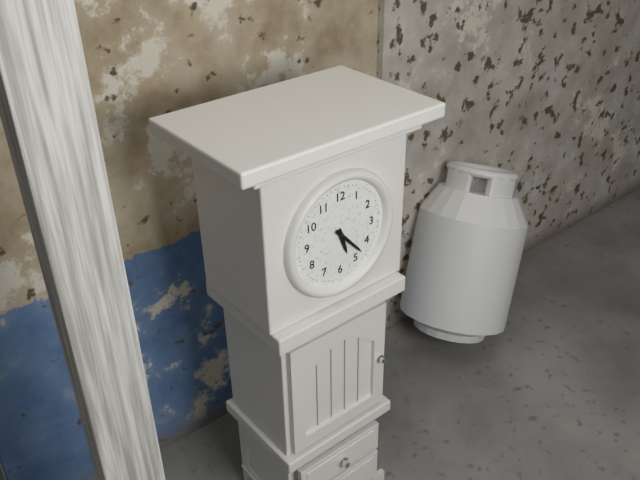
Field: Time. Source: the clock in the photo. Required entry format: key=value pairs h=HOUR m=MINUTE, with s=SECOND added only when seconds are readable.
h=5 m=23
